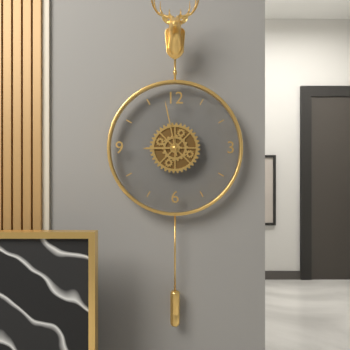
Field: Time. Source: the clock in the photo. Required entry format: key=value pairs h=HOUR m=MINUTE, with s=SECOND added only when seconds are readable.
h=8 m=58
